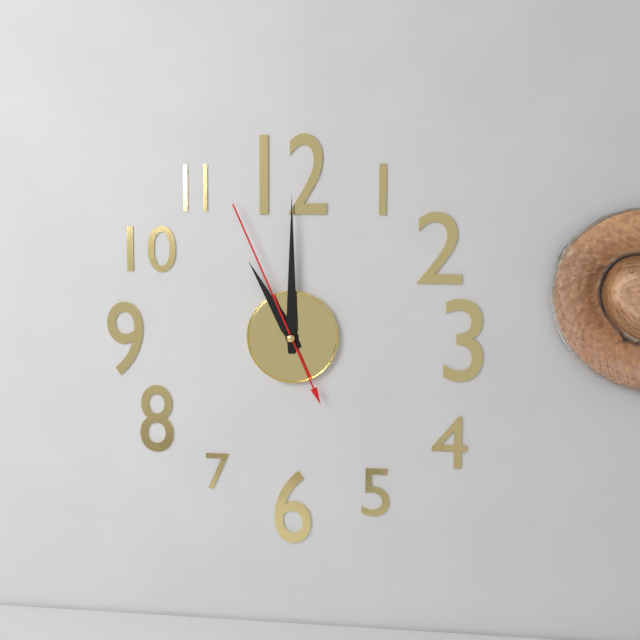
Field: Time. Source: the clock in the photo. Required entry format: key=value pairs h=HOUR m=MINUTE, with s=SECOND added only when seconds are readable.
h=11 m=0 s=56
